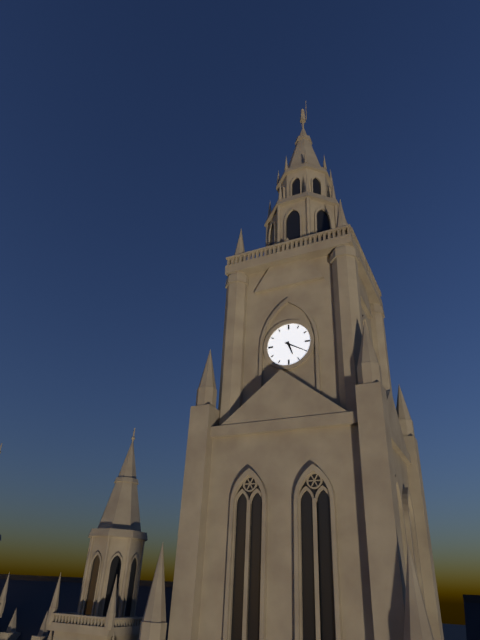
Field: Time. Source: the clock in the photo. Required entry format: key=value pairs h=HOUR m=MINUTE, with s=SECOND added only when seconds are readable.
h=5 m=20
